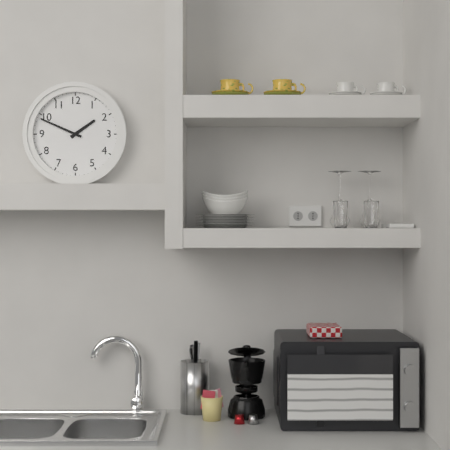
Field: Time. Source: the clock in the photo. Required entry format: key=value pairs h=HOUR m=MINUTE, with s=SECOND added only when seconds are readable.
h=1 m=49
